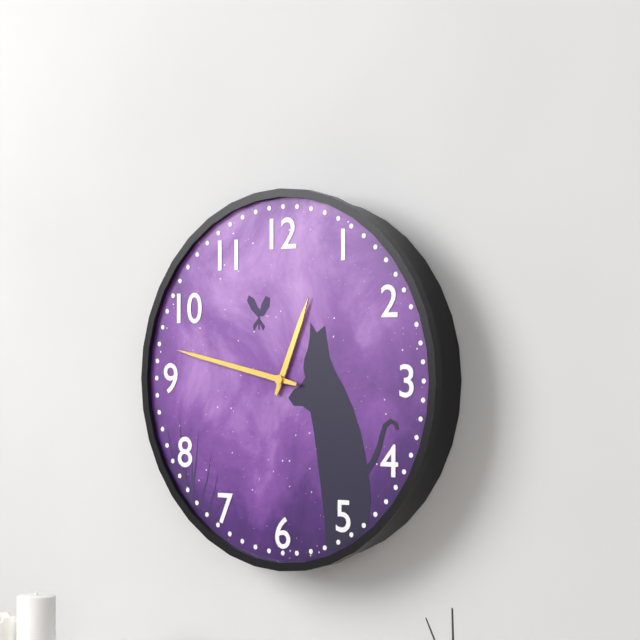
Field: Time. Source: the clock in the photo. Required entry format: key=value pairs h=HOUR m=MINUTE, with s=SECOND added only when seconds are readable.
h=12 m=47
